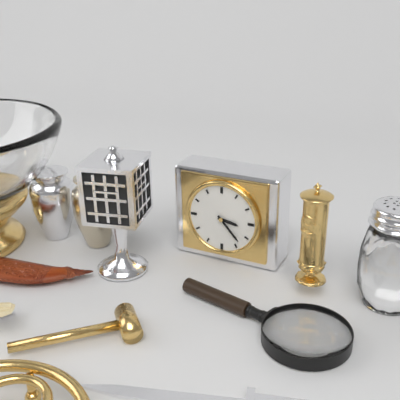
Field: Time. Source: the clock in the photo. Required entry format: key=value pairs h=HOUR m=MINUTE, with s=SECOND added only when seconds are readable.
h=3 m=23
